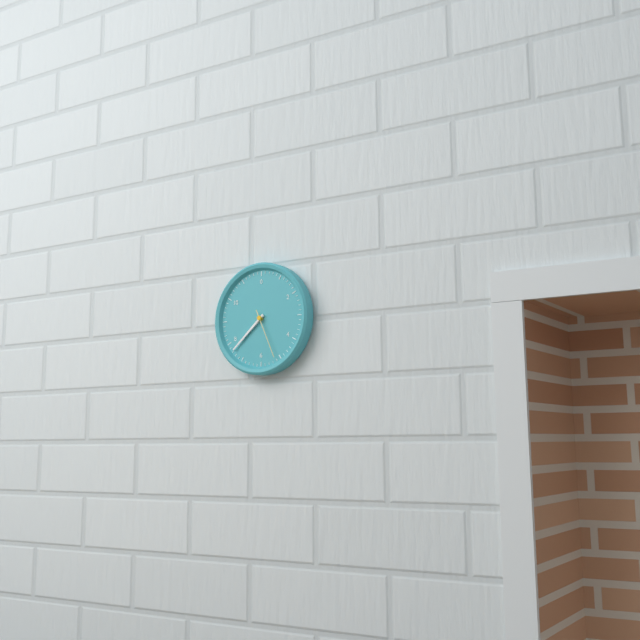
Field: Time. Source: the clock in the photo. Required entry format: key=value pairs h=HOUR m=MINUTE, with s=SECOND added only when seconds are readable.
h=7 m=38
